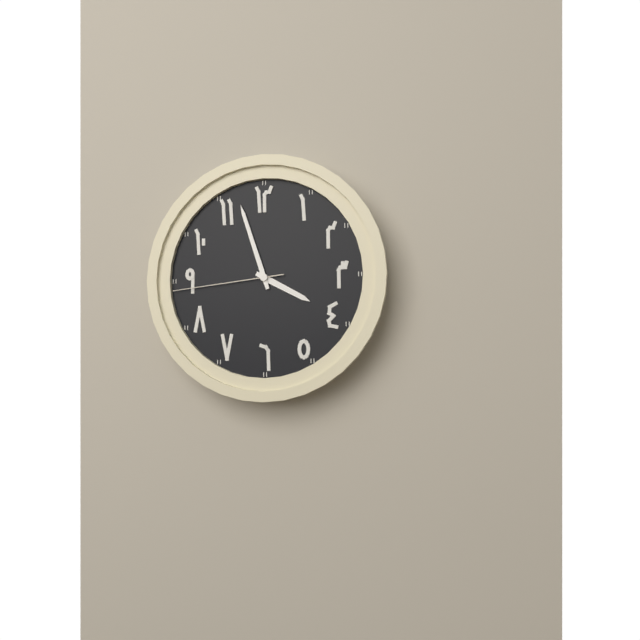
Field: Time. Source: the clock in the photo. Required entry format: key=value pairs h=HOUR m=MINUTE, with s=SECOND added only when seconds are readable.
h=3 m=57 s=44
